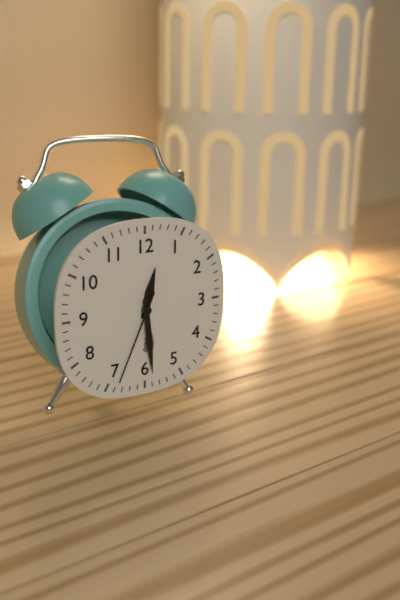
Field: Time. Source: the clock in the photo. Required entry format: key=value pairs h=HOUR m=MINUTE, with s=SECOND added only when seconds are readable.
h=12 m=29 s=34
